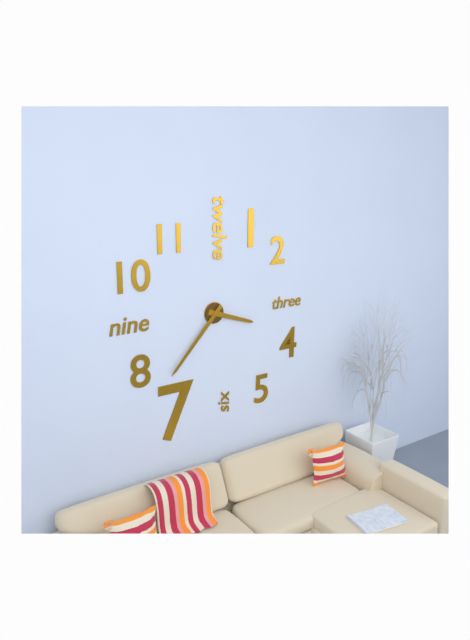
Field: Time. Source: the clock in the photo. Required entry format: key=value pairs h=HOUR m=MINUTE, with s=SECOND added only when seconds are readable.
h=3 m=37
